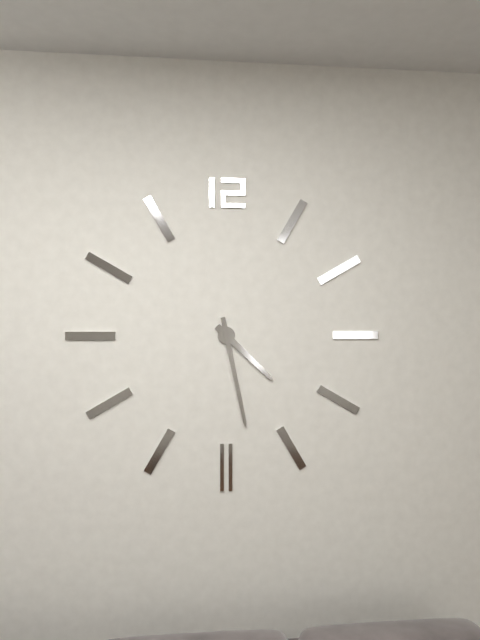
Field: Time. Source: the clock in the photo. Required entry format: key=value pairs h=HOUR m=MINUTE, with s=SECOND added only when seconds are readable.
h=4 m=28
